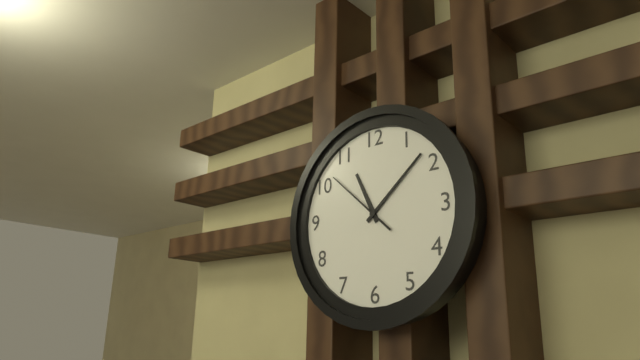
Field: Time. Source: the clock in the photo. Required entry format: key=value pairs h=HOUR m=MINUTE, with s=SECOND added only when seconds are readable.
h=11 m=8 s=52
